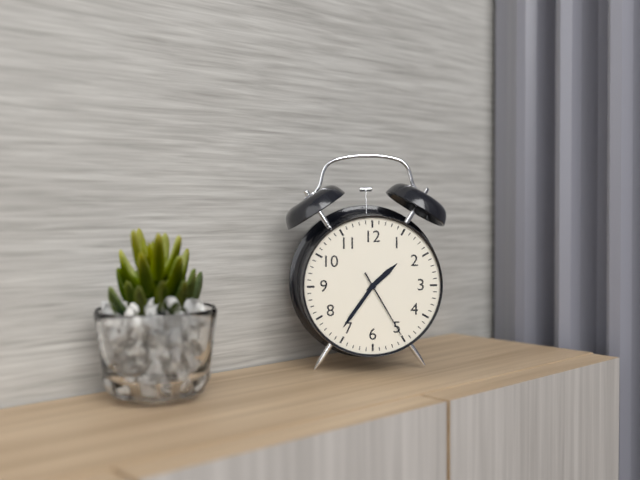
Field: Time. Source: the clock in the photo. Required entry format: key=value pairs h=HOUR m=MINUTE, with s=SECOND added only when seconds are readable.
h=1 m=36 s=25
